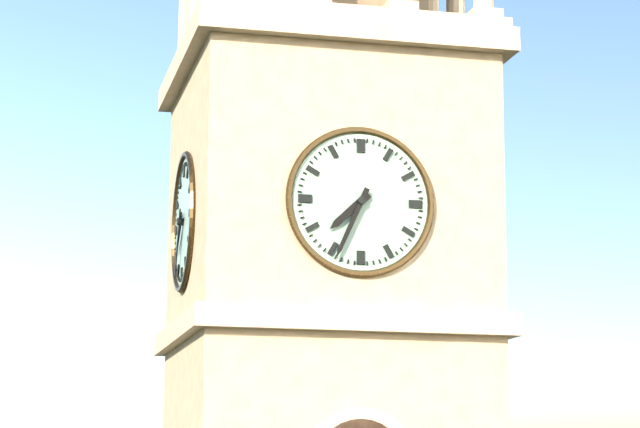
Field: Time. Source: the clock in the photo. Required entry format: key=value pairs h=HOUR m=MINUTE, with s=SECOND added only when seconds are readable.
h=7 m=34
